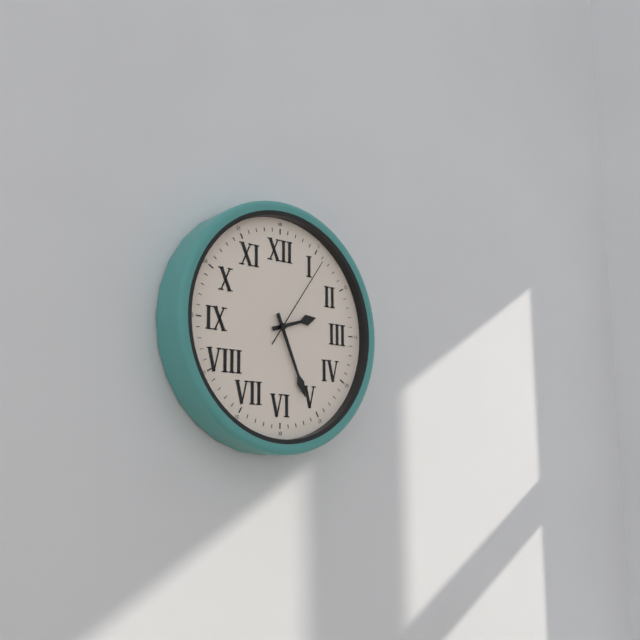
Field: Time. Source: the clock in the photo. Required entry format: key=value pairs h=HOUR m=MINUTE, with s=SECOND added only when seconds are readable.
h=2 m=26 s=6
